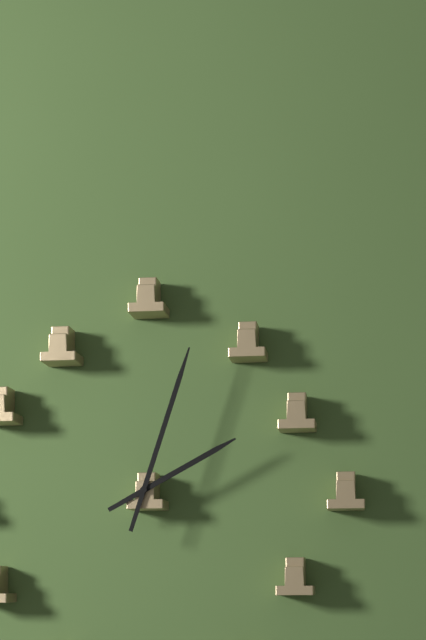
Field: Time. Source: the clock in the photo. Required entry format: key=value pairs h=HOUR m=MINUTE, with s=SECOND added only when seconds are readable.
h=2 m=3
